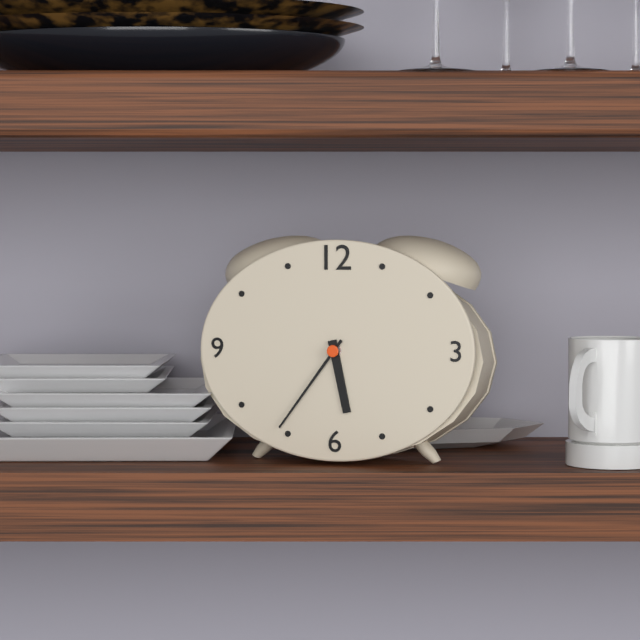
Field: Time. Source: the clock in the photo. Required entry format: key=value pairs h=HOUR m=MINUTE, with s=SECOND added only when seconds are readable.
h=5 m=36
